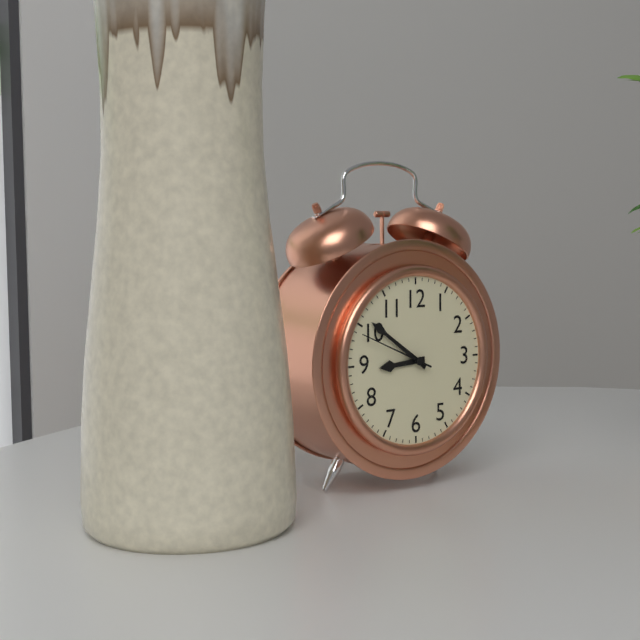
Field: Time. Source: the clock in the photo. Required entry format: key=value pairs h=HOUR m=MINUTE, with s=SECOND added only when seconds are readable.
h=8 m=51 s=49
